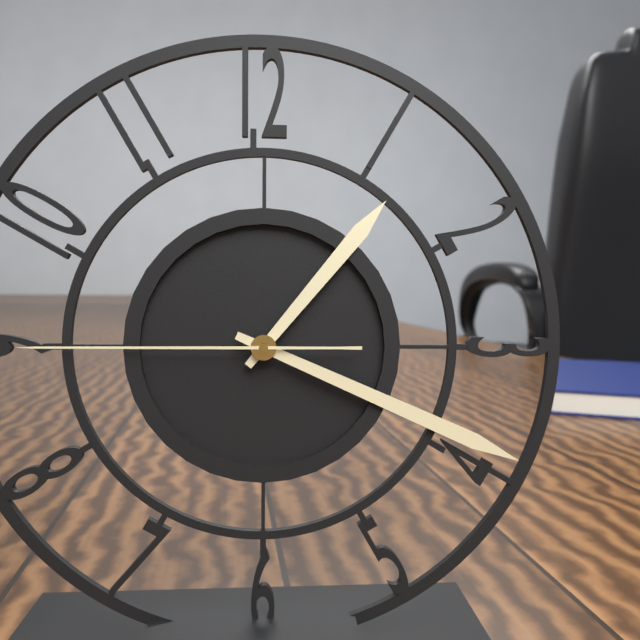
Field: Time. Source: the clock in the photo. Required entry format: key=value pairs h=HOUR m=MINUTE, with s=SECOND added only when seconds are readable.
h=1 m=19 s=45
